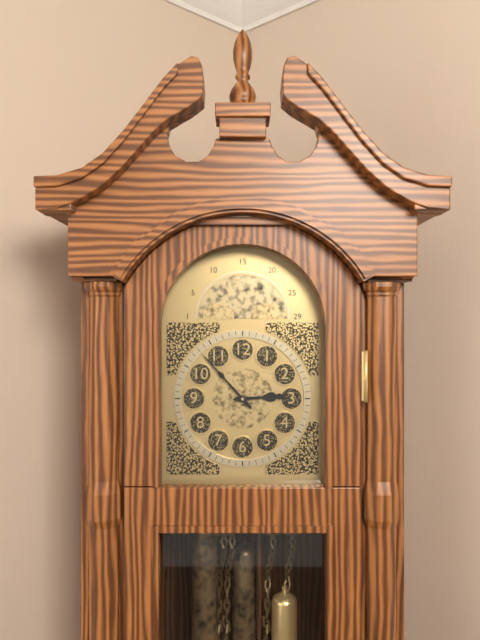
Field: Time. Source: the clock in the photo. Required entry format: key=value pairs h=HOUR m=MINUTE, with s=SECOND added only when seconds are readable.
h=2 m=53
